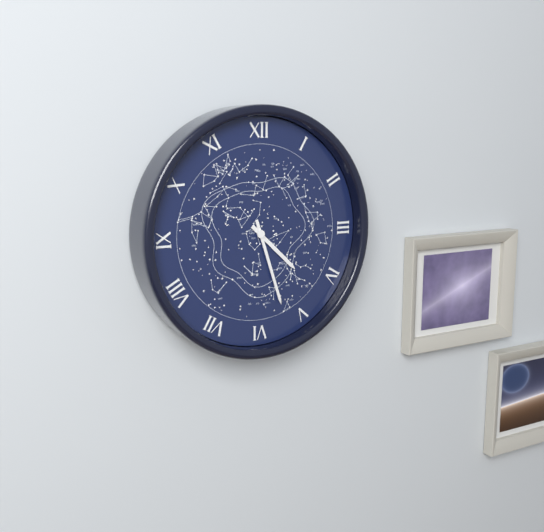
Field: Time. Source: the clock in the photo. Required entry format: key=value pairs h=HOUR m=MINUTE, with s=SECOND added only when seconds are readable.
h=4 m=27
